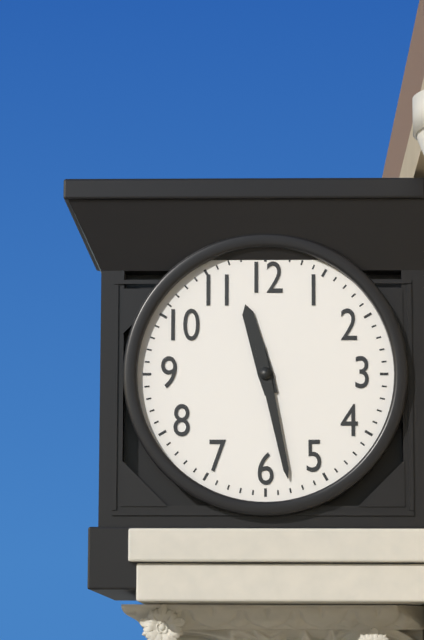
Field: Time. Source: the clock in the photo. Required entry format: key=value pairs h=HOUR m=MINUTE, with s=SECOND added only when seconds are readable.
h=11 m=28
